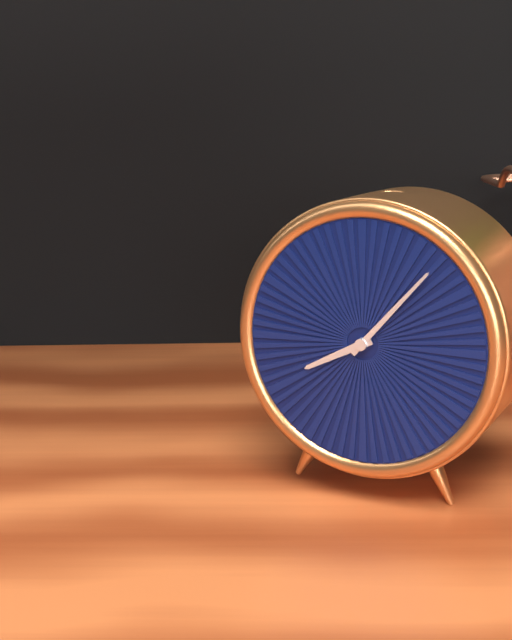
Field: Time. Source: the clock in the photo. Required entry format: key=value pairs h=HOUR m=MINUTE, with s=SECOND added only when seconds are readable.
h=8 m=7
